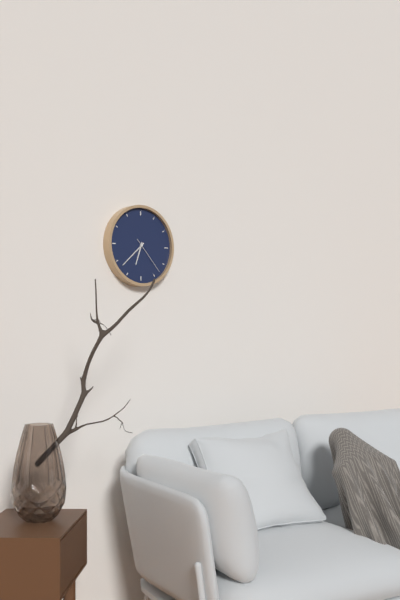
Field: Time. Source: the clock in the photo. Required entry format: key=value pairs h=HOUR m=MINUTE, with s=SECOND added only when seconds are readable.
h=6 m=38
